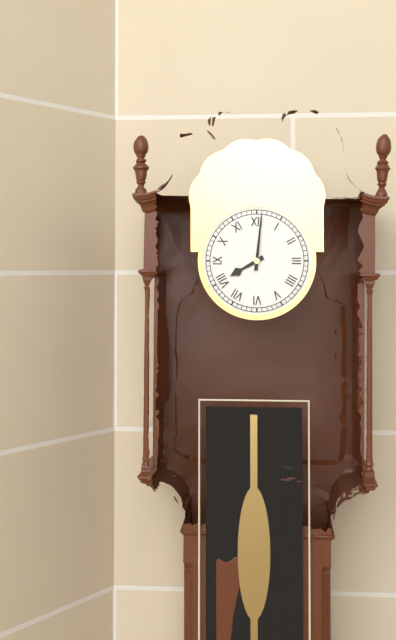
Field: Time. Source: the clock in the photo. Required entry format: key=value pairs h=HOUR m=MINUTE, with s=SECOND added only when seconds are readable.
h=8 m=1
